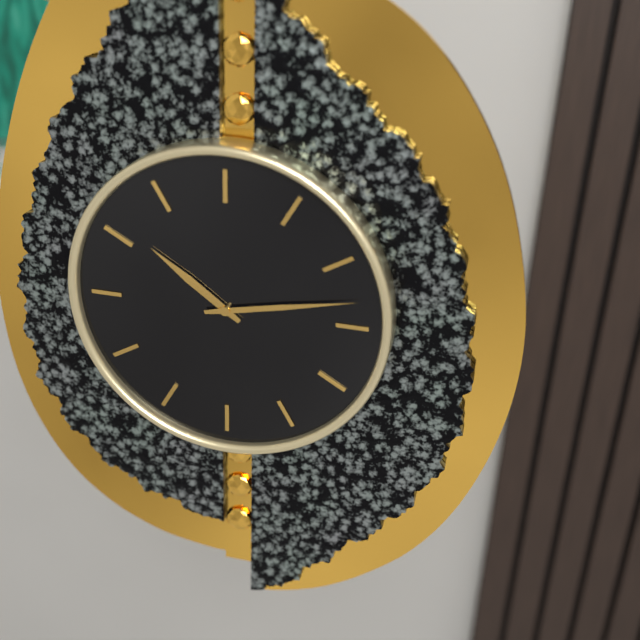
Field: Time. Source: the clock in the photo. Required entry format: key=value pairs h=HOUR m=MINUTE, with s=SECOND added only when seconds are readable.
h=10 m=13
